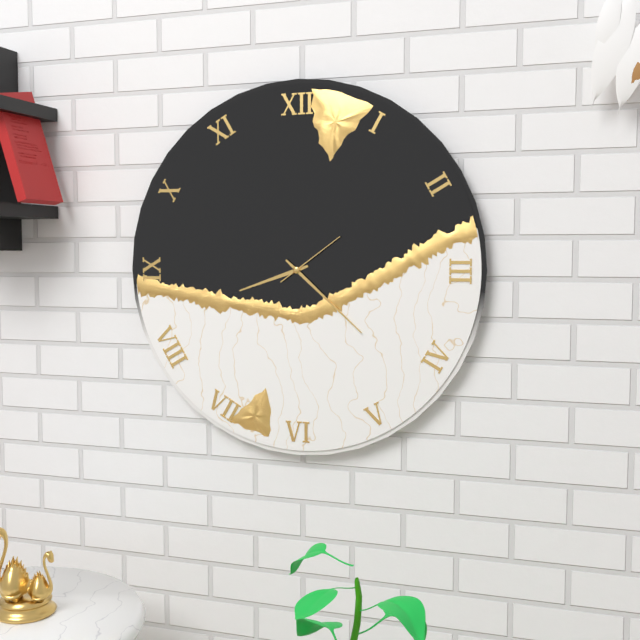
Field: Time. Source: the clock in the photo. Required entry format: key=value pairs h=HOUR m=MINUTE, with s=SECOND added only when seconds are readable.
h=8 m=22 s=9
